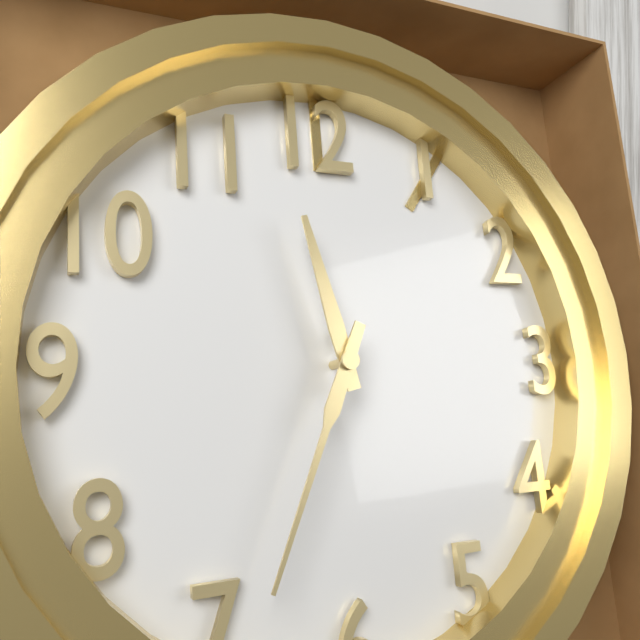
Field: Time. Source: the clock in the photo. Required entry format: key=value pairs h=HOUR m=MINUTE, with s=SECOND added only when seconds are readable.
h=11 m=34
